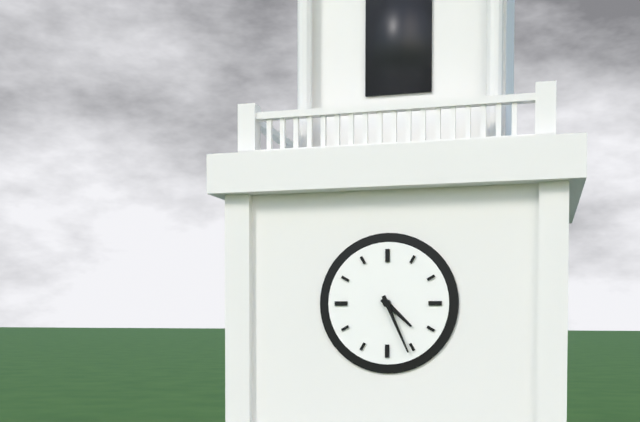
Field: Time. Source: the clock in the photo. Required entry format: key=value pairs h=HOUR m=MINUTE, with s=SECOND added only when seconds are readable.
h=4 m=26
